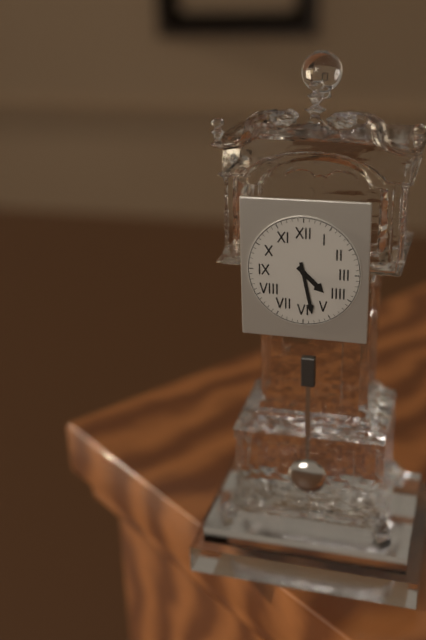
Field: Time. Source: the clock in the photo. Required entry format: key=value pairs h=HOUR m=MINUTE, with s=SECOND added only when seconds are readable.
h=4 m=28
